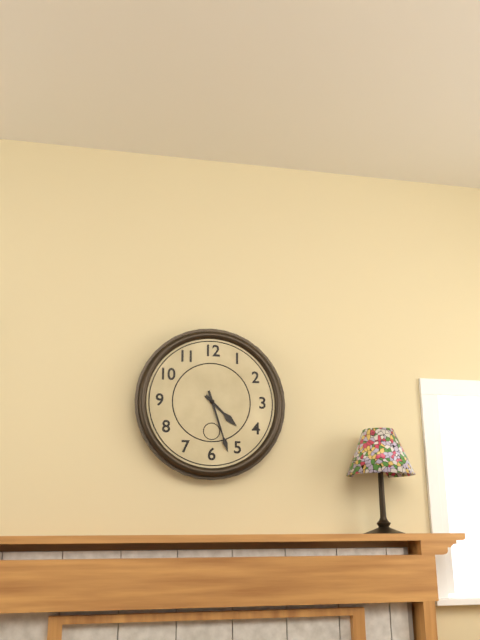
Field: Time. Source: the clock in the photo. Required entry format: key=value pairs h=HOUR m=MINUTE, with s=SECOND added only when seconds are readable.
h=4 m=27
